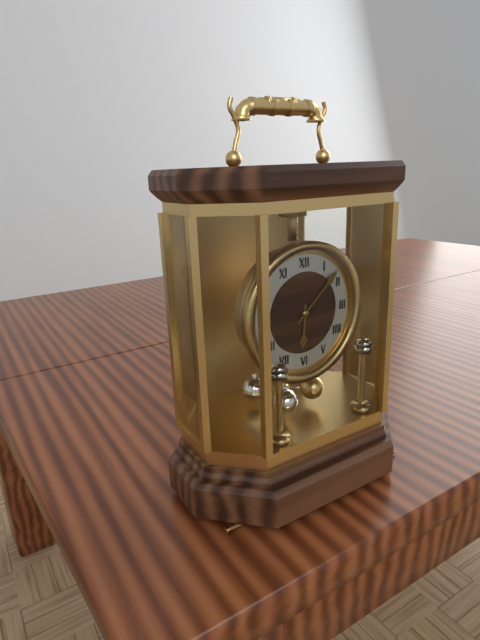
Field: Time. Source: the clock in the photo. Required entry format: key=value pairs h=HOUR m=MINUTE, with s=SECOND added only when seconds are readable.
h=6 m=8
